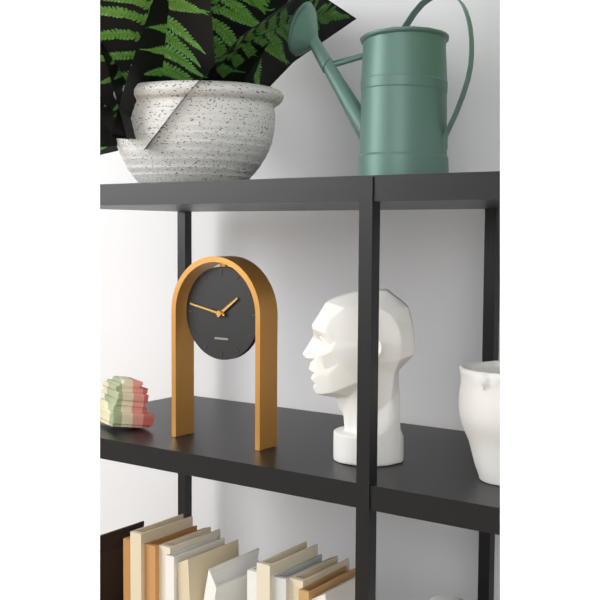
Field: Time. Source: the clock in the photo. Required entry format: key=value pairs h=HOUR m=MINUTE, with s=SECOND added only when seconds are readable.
h=1 m=47
